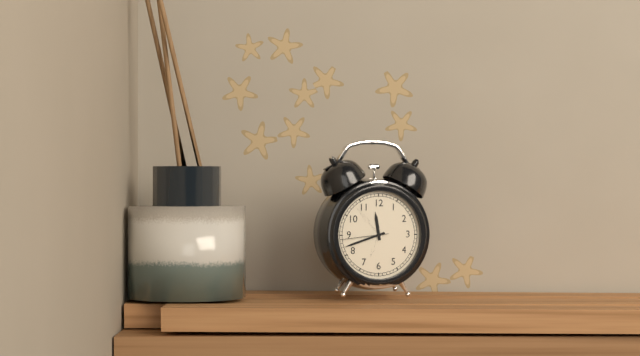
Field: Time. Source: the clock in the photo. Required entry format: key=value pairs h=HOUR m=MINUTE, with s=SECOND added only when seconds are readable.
h=11 m=42
